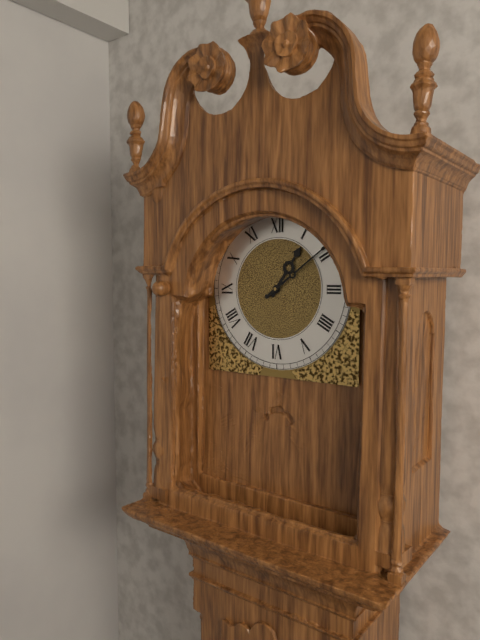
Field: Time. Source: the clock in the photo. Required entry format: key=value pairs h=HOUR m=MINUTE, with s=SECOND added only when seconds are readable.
h=1 m=9
